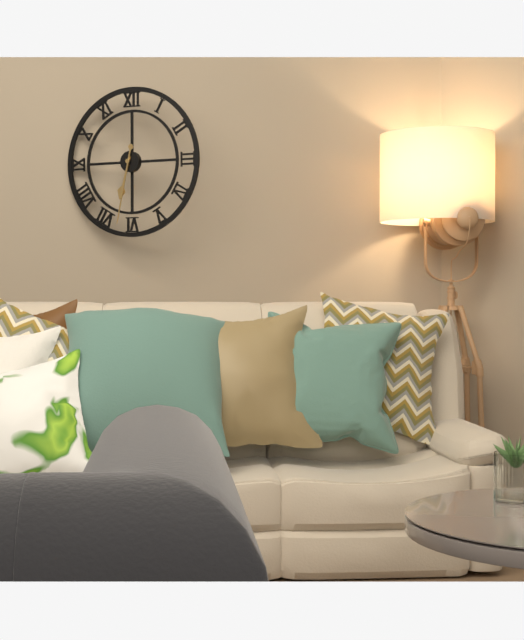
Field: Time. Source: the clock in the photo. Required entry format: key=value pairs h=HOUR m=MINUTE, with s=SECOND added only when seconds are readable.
h=6 m=32
